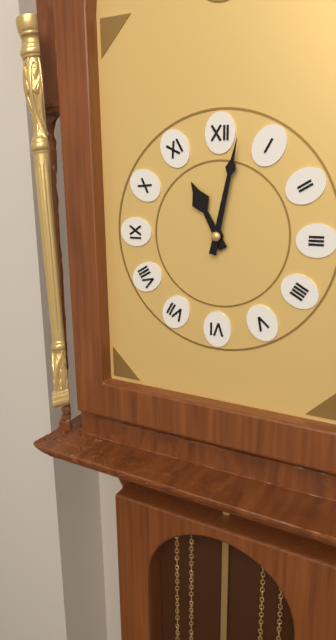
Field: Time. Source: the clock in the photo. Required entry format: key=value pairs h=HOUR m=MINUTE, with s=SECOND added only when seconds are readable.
h=11 m=2
